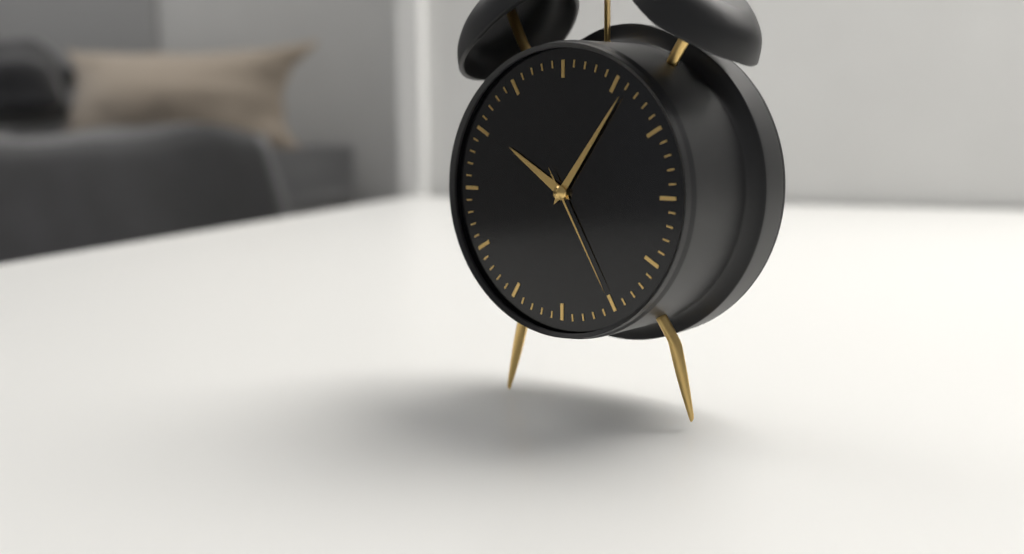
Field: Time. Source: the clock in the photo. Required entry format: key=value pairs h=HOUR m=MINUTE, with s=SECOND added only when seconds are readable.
h=10 m=6 s=25
